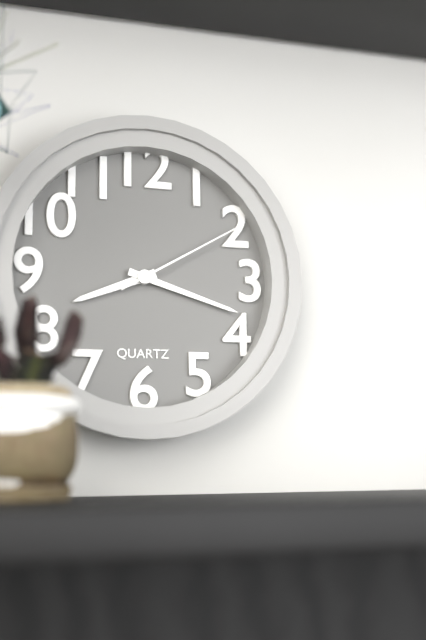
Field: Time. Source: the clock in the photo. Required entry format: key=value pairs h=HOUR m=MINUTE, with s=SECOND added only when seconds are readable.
h=8 m=18 s=10
